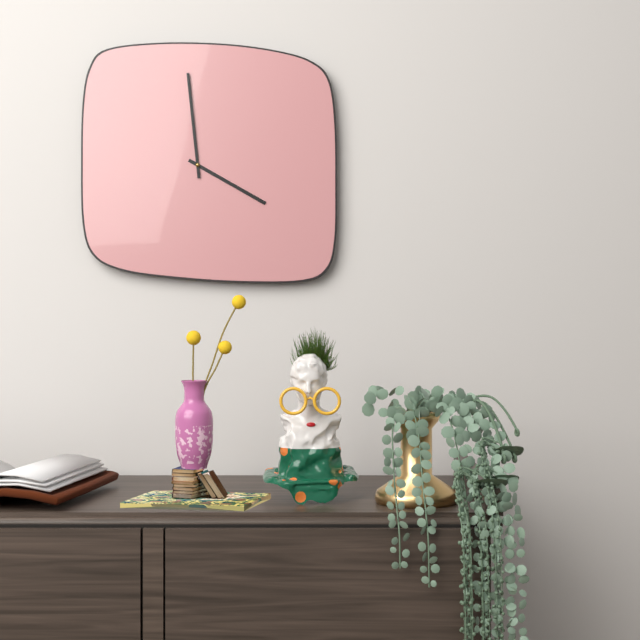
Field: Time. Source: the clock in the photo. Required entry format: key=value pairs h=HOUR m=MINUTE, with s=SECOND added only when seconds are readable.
h=3 m=59
